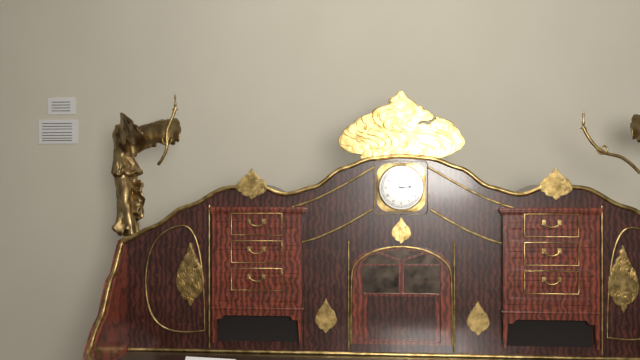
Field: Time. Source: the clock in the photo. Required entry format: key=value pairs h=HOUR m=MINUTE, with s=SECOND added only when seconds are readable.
h=2 m=50
